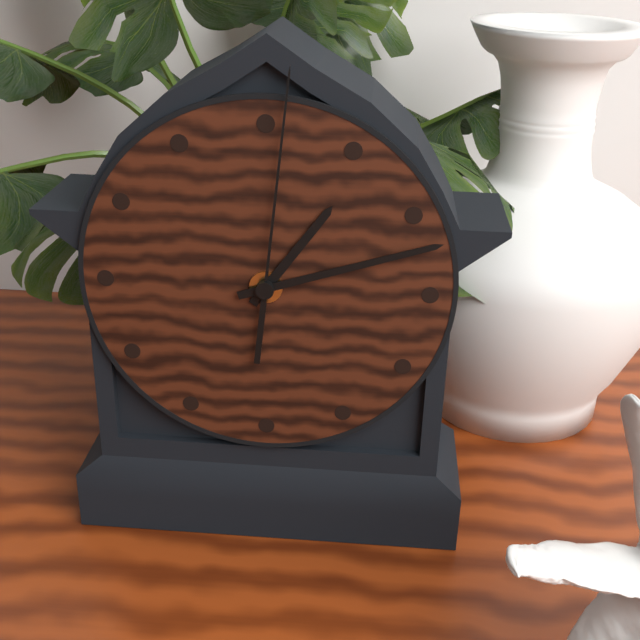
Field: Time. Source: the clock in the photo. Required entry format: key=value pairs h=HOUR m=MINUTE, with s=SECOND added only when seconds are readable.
h=1 m=12 s=1
